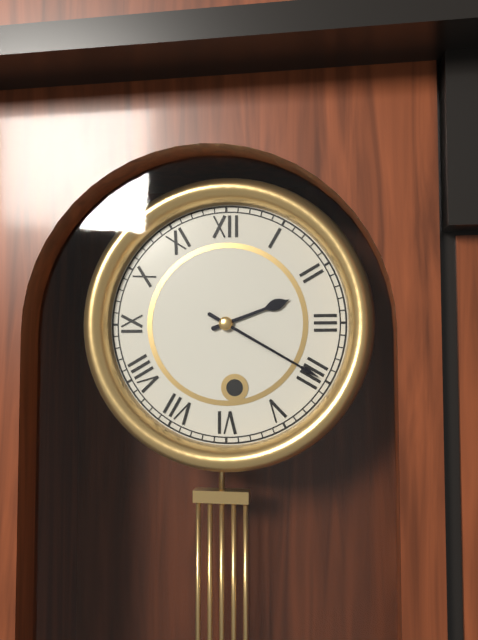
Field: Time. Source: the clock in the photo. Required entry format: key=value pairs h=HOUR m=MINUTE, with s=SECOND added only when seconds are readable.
h=2 m=20
